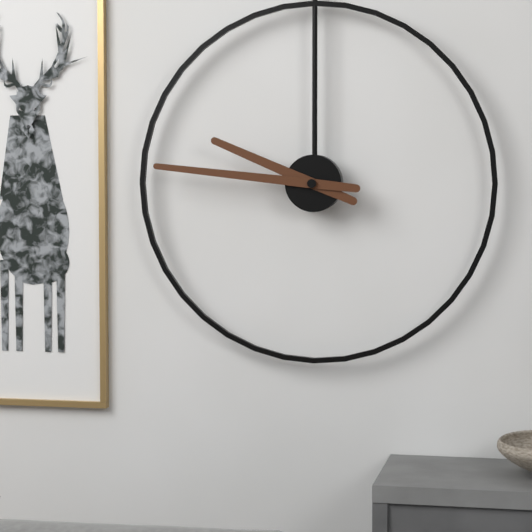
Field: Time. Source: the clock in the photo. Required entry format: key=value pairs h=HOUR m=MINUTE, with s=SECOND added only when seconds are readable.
h=9 m=46
